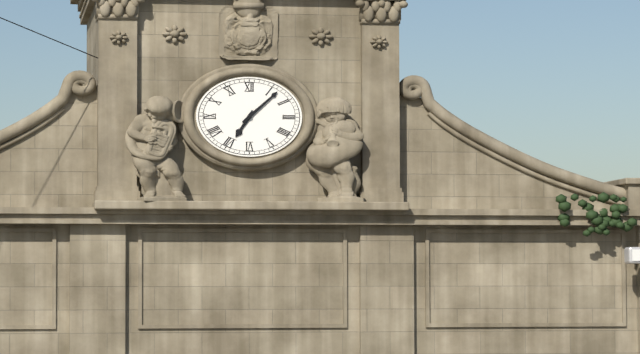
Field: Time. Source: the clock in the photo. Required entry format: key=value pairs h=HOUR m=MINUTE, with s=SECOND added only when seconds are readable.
h=7 m=8
